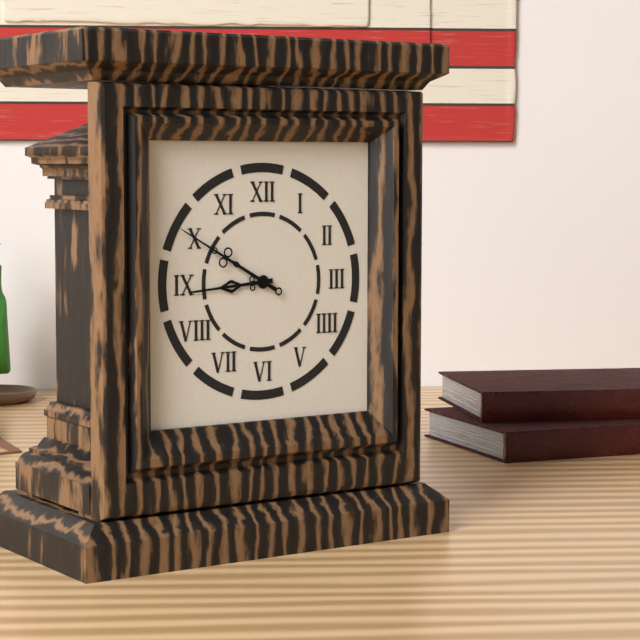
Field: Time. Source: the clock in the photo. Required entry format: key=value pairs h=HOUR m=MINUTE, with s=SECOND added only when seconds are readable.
h=8 m=50
